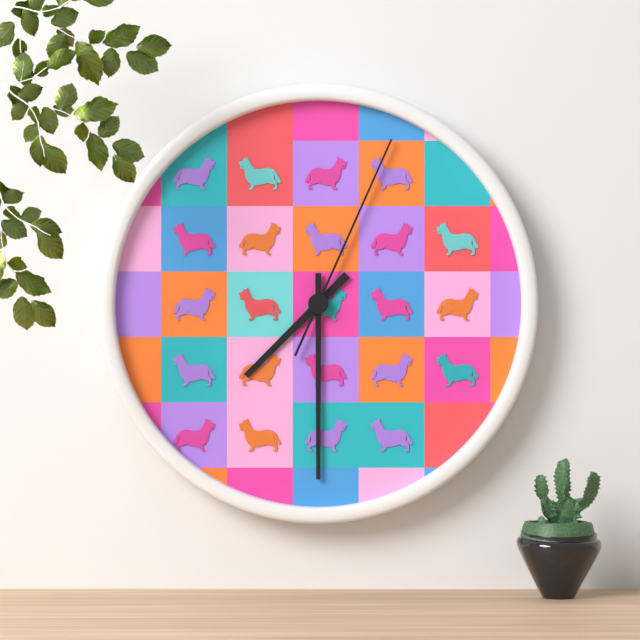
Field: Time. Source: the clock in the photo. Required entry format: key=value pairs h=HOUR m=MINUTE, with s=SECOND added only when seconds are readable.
h=7 m=30 s=4
